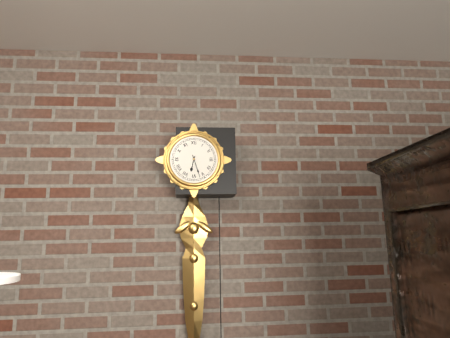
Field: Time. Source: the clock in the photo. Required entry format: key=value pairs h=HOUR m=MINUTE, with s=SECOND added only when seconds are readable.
h=6 m=27
